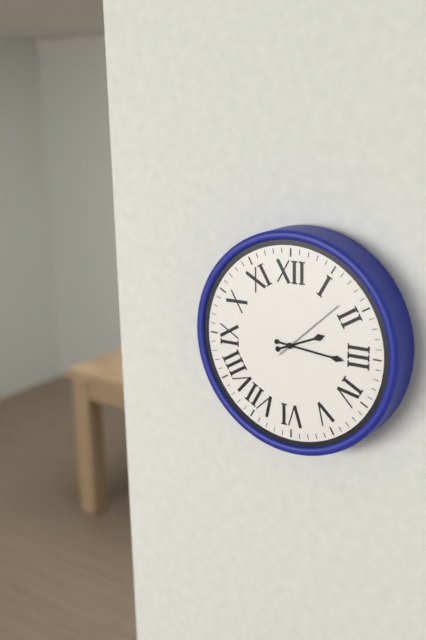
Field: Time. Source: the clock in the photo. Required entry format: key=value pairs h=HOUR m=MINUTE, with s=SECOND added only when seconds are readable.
h=2 m=16 s=8
